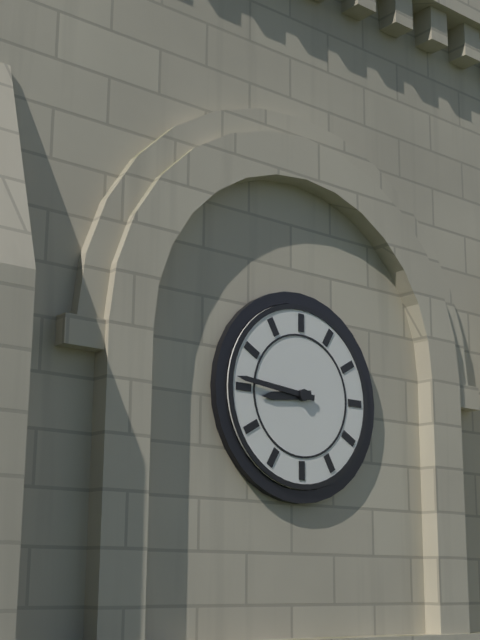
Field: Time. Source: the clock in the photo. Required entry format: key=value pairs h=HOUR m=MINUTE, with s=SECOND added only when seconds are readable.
h=8 m=46
